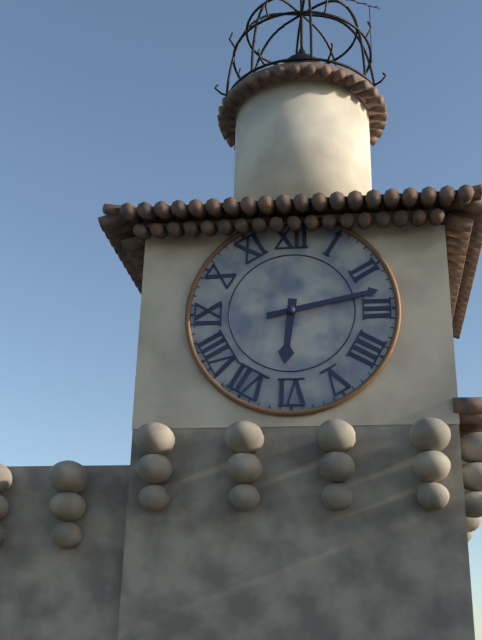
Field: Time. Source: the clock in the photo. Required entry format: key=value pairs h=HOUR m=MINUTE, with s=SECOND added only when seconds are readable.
h=6 m=13
